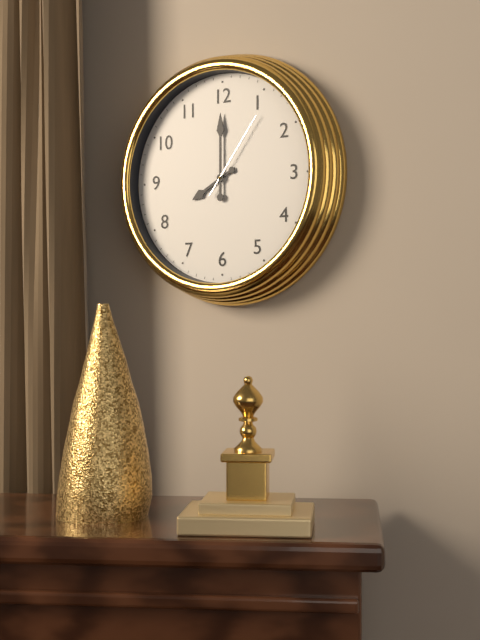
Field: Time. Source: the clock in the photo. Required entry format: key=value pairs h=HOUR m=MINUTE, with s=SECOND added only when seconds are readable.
h=8 m=0 s=6
